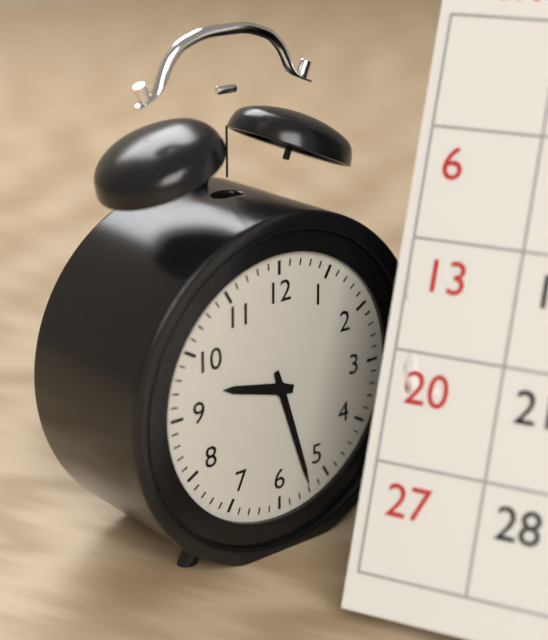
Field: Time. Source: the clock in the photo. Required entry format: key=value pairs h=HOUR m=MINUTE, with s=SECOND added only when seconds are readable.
h=9 m=27
